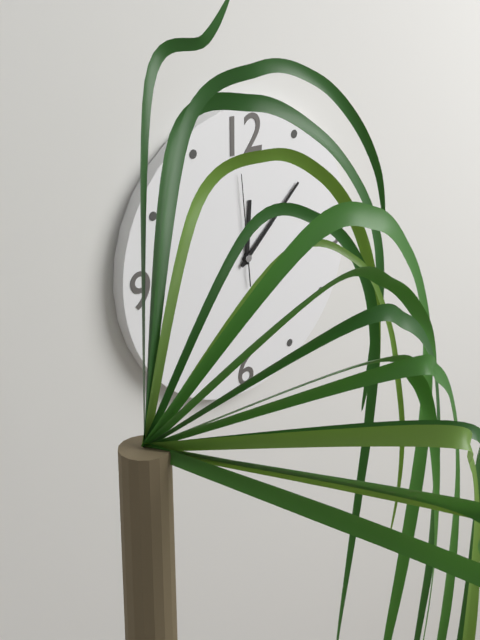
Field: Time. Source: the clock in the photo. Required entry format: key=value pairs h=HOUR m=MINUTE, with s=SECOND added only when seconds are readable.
h=12 m=8 s=59
